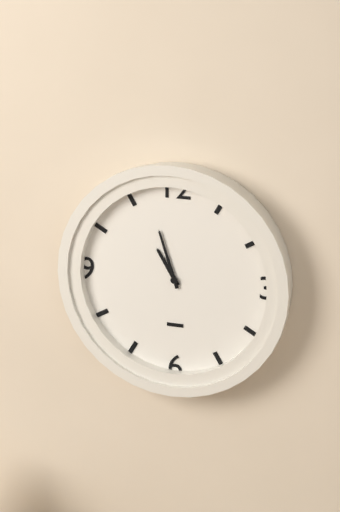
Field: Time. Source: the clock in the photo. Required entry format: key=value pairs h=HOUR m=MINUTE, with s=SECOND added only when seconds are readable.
h=10 m=57
